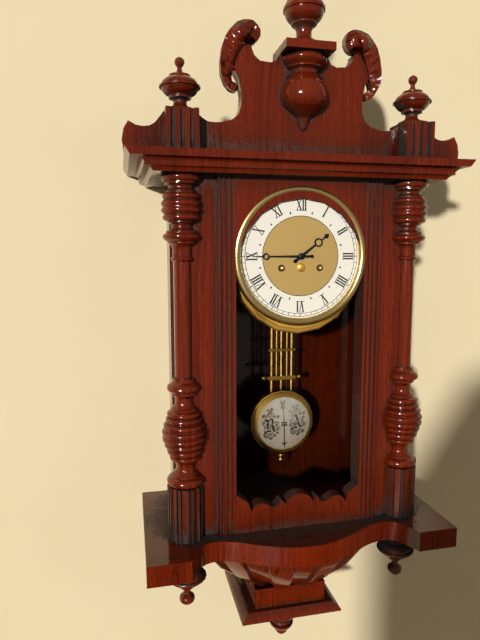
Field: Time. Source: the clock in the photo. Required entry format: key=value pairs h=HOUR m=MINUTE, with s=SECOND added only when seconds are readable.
h=1 m=45
